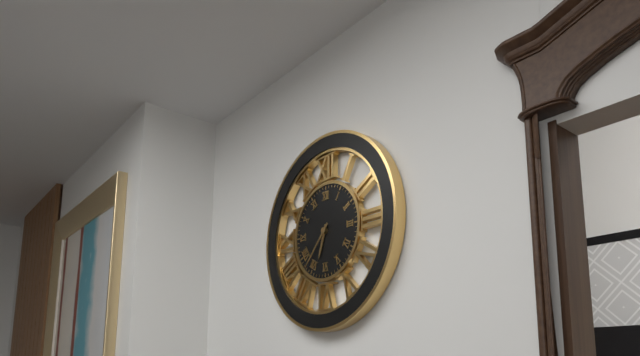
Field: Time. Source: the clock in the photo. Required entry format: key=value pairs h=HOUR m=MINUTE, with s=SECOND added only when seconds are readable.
h=6 m=37
